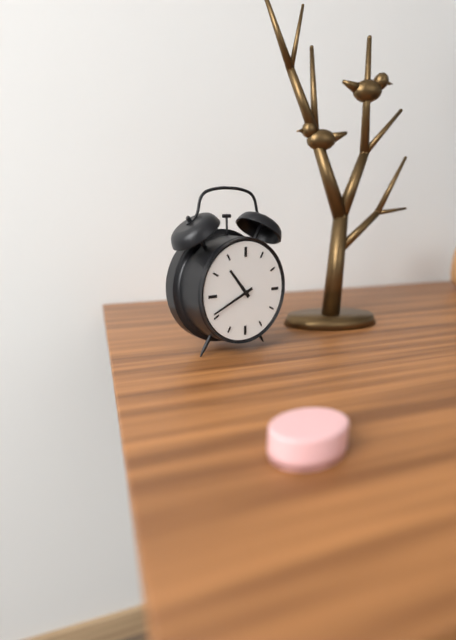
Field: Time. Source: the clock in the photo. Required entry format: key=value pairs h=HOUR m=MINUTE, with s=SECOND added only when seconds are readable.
h=10 m=41
